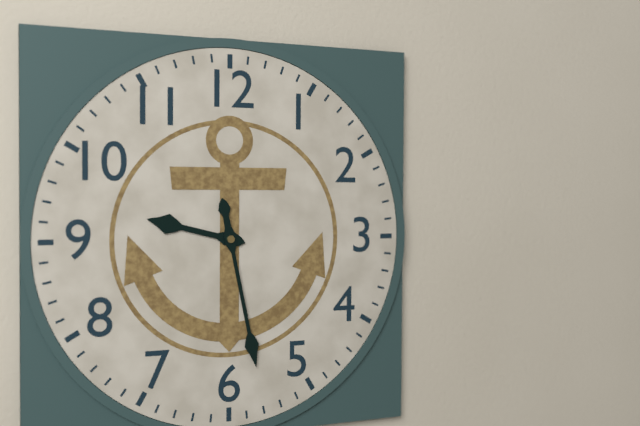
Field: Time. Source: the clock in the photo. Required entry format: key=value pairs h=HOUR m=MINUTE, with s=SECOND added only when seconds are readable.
h=9 m=28
